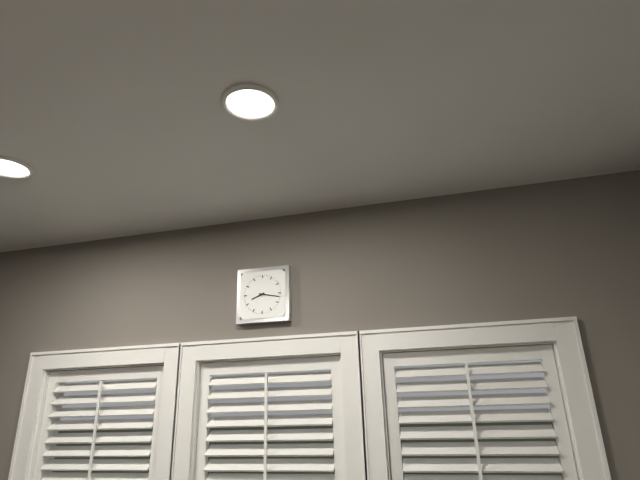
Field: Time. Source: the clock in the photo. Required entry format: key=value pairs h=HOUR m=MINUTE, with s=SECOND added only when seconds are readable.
h=8 m=17
